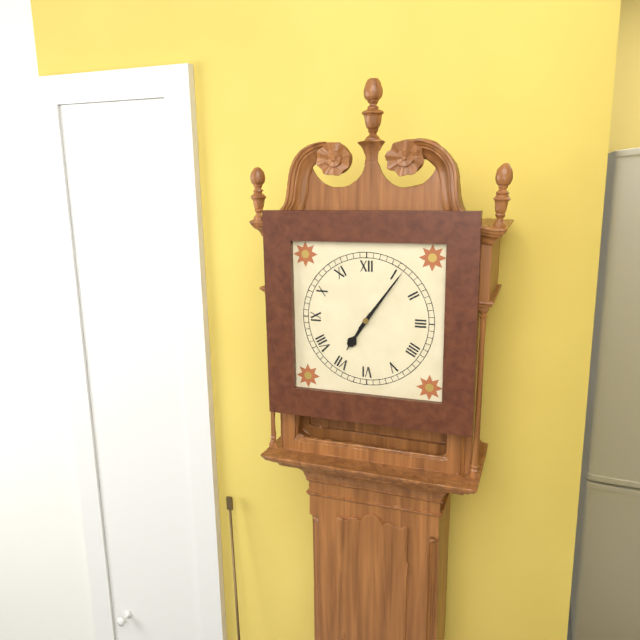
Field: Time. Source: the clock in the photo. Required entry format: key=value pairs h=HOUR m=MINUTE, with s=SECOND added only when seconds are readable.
h=7 m=6
